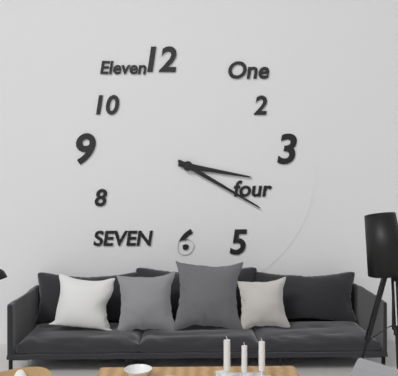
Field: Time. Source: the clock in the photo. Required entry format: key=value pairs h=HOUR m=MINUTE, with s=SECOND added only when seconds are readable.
h=3 m=20
